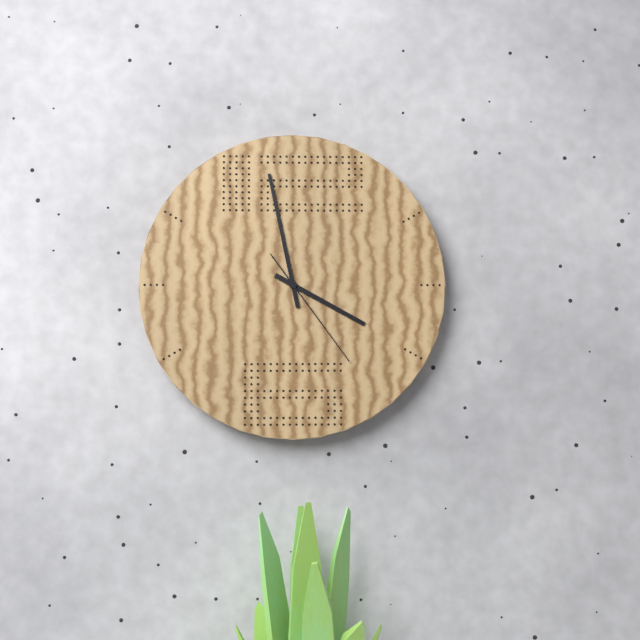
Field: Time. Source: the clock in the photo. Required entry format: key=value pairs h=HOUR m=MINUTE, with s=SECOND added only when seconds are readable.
h=3 m=58 s=24
